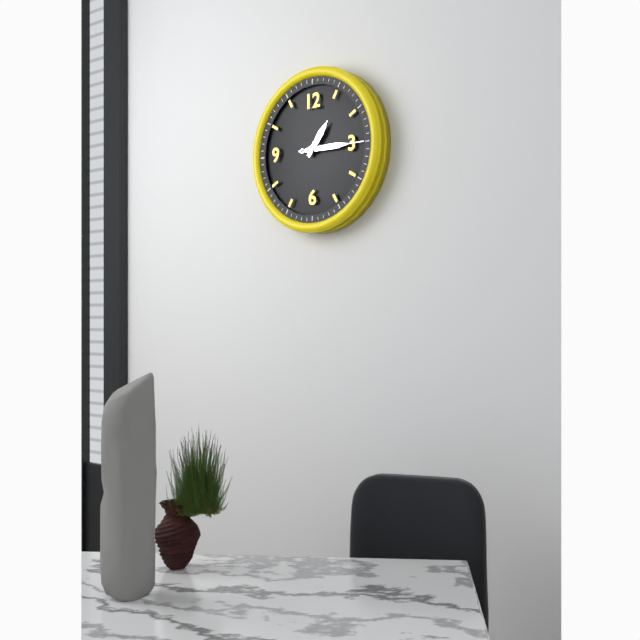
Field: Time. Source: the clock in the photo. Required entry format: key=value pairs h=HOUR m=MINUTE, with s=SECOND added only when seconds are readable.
h=1 m=15 s=15
